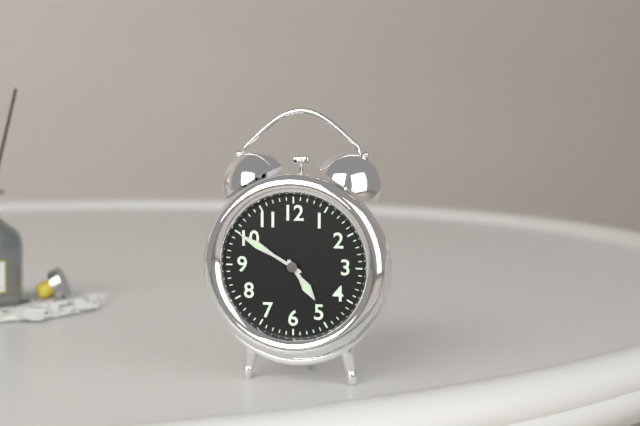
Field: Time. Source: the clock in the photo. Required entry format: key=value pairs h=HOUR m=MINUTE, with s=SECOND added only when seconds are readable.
h=4 m=50
